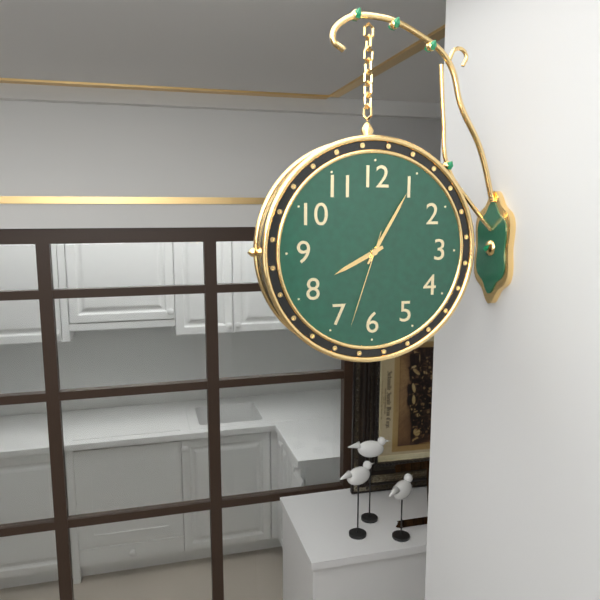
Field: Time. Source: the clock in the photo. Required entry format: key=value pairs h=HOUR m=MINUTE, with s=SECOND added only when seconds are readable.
h=8 m=5 s=33
